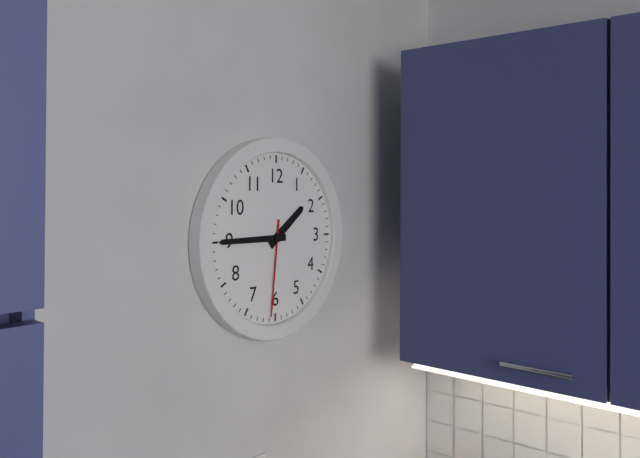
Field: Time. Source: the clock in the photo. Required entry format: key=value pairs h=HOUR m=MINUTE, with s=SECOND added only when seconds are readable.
h=1 m=45 s=31
